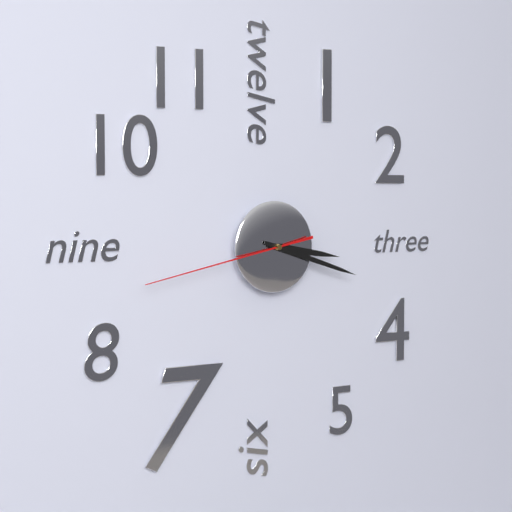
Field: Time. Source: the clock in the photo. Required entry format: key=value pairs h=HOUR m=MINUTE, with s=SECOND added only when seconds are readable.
h=3 m=18 s=43
